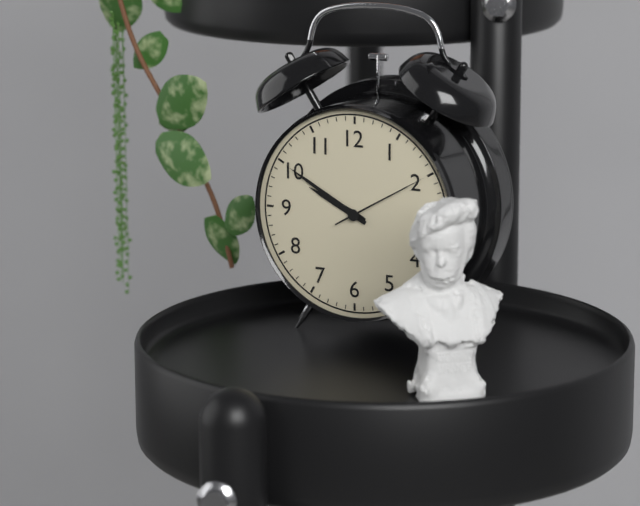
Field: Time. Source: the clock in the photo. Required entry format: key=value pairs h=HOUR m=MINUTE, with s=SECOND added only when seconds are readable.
h=9 m=50 s=10
